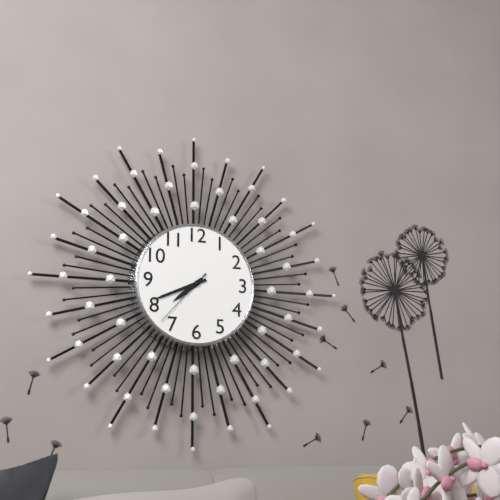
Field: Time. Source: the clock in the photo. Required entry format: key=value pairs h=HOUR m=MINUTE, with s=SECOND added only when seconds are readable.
h=7 m=41 s=37
